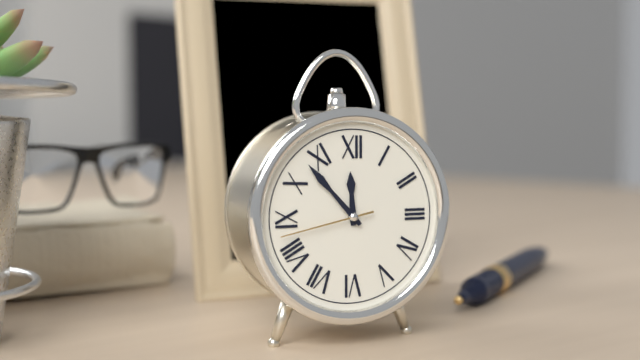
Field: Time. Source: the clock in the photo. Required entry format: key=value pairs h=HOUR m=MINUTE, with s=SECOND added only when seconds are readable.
h=11 m=53 s=43
